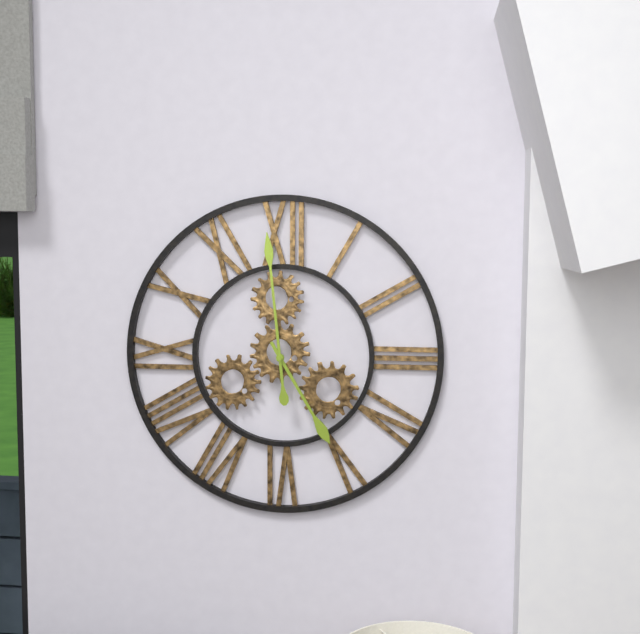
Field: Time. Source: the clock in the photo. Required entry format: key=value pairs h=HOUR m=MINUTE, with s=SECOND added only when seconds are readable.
h=4 m=59
